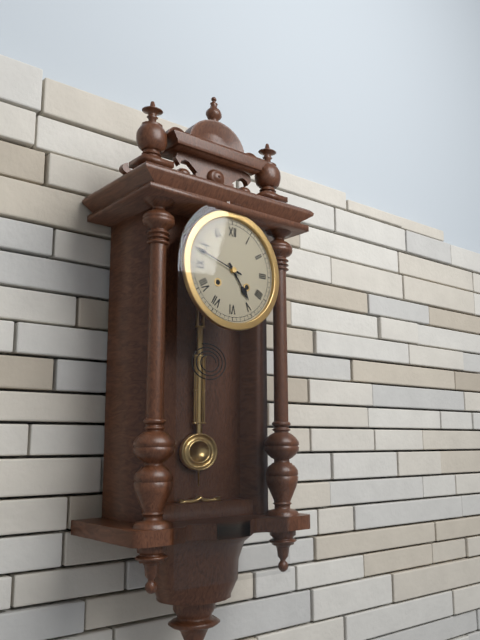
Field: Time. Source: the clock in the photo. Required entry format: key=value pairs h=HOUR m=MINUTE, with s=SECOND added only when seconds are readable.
h=4 m=48
